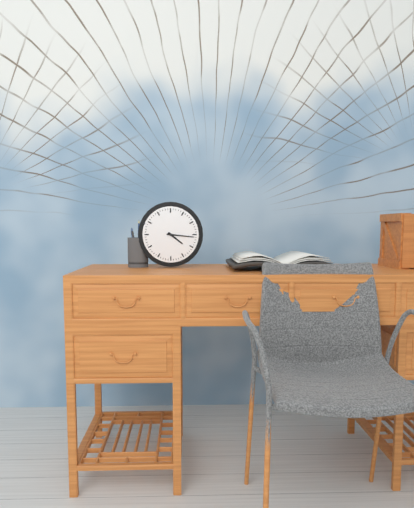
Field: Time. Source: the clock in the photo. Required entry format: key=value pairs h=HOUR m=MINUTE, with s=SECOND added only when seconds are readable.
h=4 m=16
